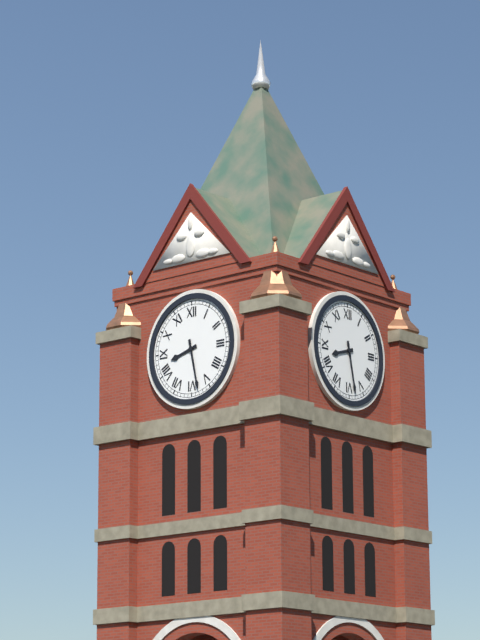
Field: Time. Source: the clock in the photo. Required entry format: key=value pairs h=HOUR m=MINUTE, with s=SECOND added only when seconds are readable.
h=8 m=28
